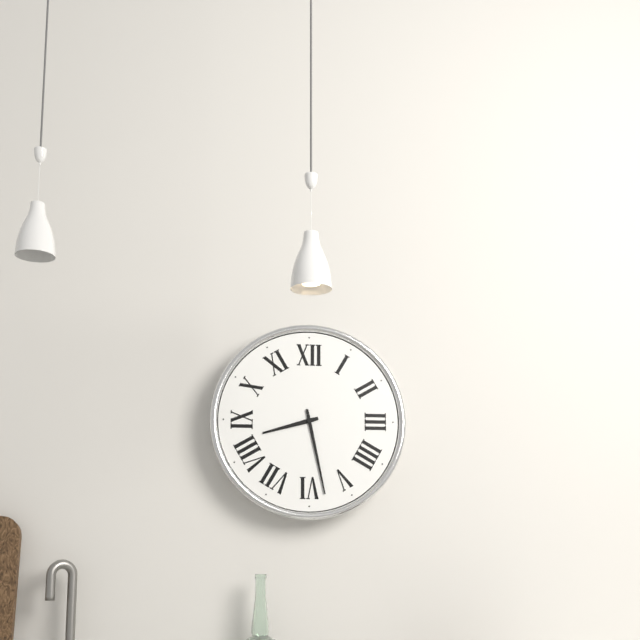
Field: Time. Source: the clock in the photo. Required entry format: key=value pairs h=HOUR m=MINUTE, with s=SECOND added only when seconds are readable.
h=8 m=28
